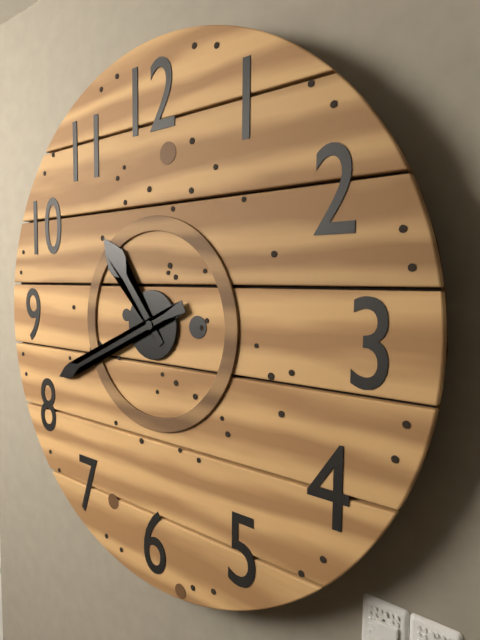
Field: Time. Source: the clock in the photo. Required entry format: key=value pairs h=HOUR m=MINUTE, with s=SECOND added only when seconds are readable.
h=10 m=41
